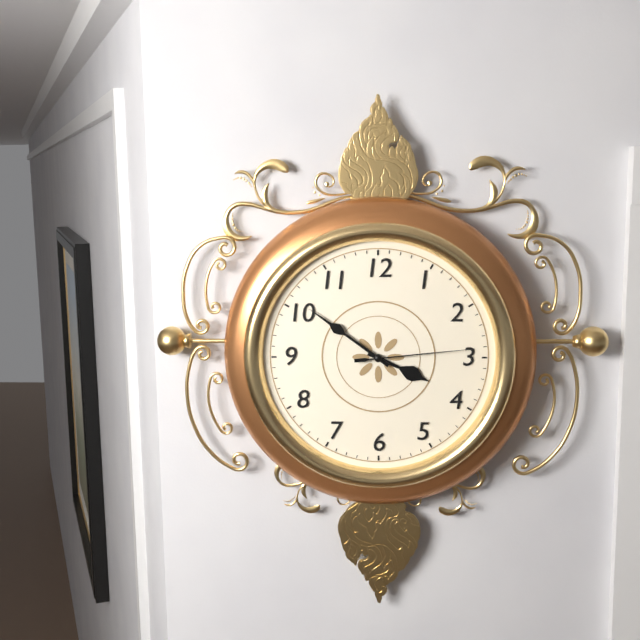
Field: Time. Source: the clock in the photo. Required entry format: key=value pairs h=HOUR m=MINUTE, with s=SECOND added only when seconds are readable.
h=3 m=51 s=14
